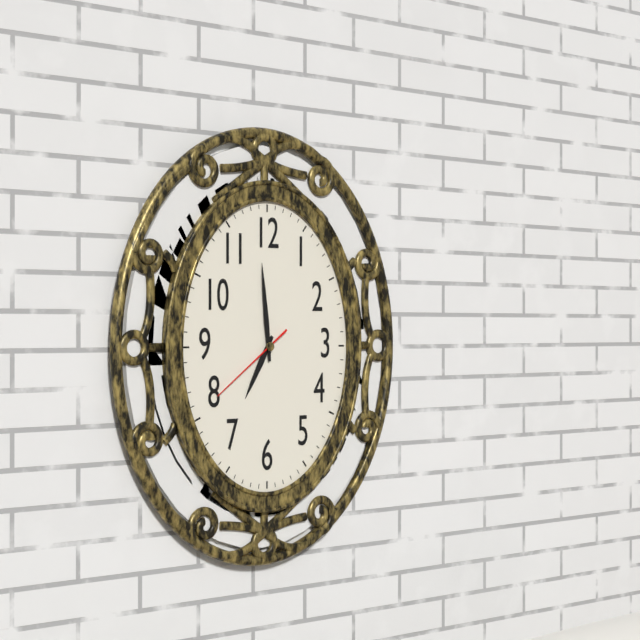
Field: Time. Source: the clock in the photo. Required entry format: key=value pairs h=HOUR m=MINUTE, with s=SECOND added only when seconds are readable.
h=6 m=59 s=39
